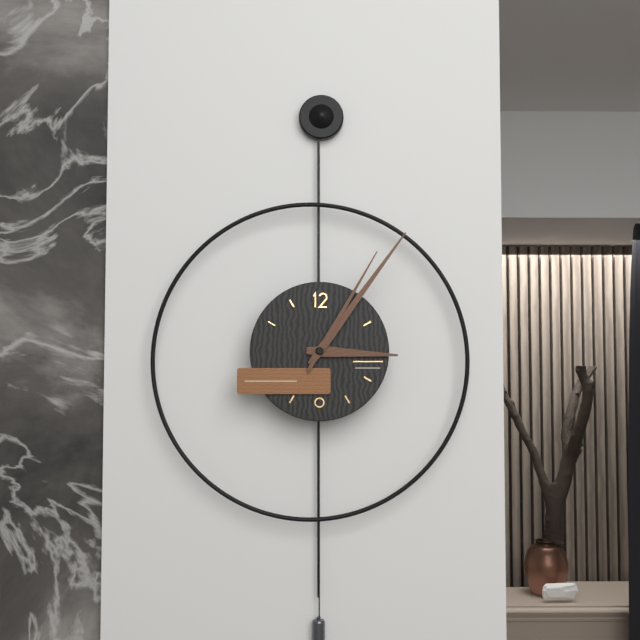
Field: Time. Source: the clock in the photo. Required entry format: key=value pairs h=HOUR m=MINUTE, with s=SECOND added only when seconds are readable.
h=3 m=6 s=5
